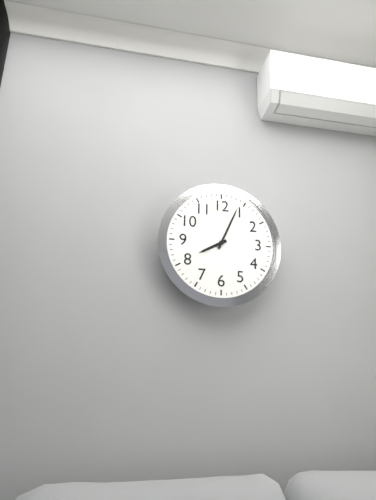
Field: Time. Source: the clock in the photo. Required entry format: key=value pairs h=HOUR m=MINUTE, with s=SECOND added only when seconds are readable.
h=8 m=4
